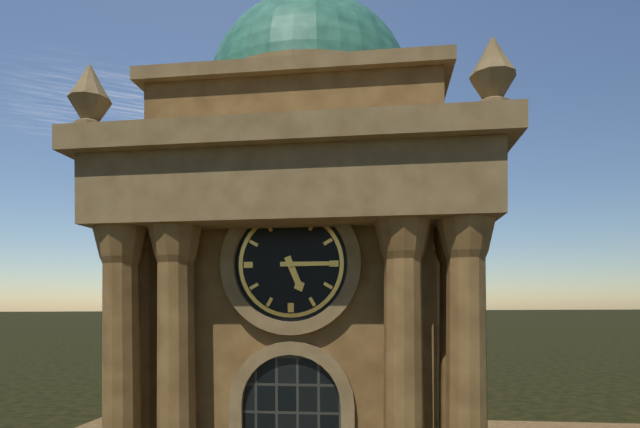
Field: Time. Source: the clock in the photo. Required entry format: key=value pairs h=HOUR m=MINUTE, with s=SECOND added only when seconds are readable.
h=5 m=15
